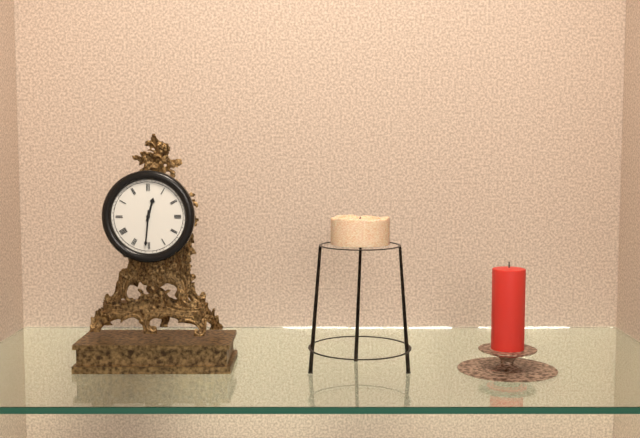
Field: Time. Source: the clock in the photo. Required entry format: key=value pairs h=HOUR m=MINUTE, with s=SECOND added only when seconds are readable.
h=12 m=31
